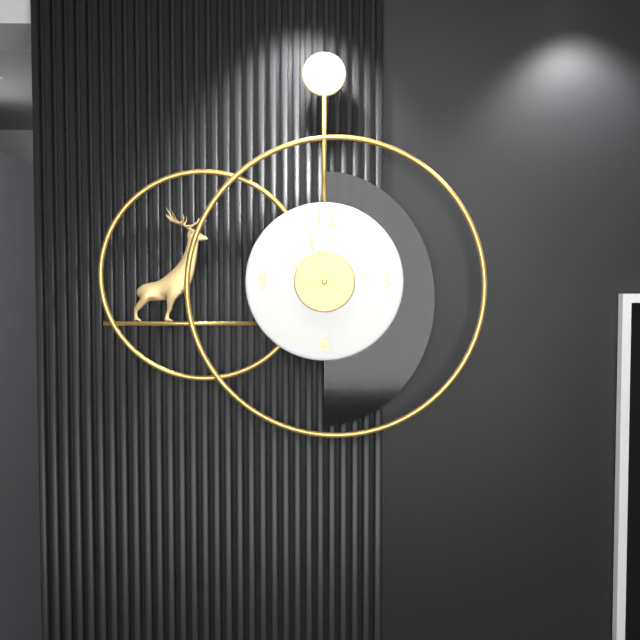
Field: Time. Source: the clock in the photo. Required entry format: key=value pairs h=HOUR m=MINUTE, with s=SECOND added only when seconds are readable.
h=9 m=57 s=13
